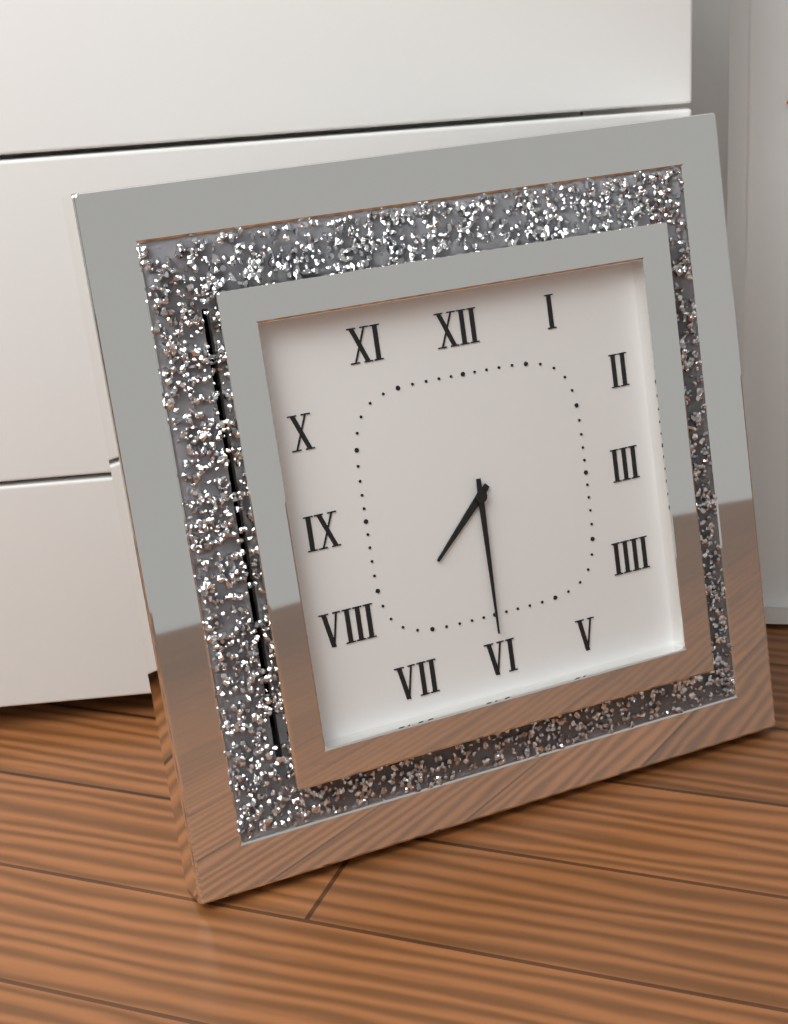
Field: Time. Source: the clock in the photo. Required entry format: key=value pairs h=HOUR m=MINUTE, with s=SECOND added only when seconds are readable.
h=7 m=30
